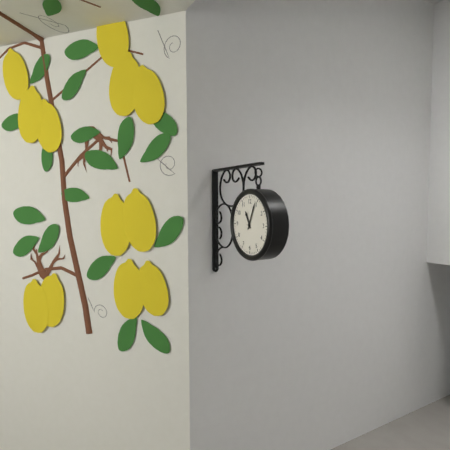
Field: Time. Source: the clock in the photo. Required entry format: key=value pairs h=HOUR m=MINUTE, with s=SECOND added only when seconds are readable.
h=11 m=4
